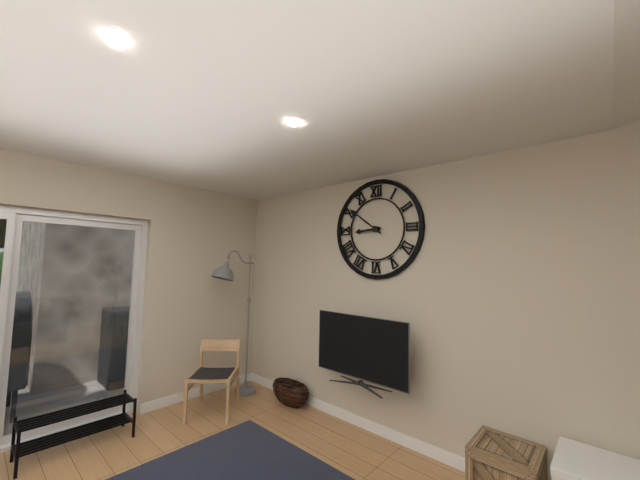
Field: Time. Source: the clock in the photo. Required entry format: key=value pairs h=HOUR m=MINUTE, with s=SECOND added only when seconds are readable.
h=8 m=51
